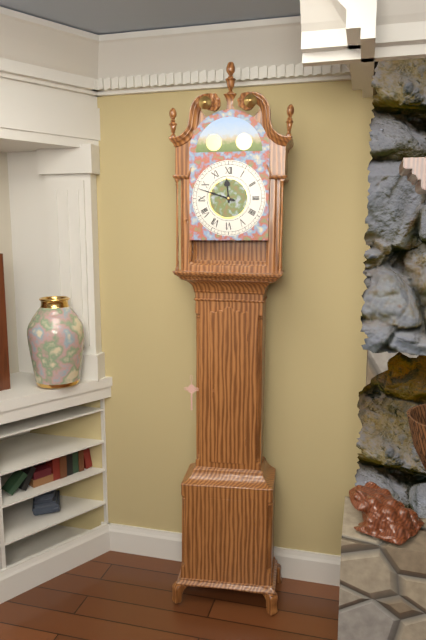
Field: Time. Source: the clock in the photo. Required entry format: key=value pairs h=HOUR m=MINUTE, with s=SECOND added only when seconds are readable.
h=11 m=48
